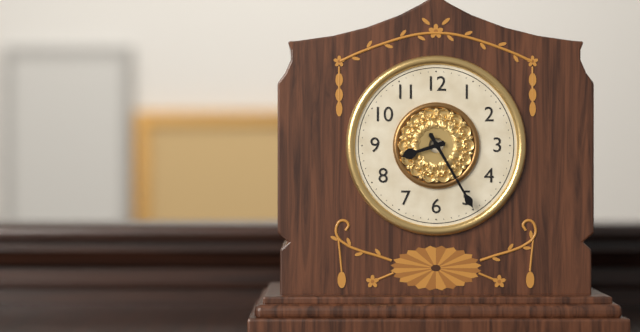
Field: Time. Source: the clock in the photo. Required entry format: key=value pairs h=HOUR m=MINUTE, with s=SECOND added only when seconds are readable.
h=8 m=25
